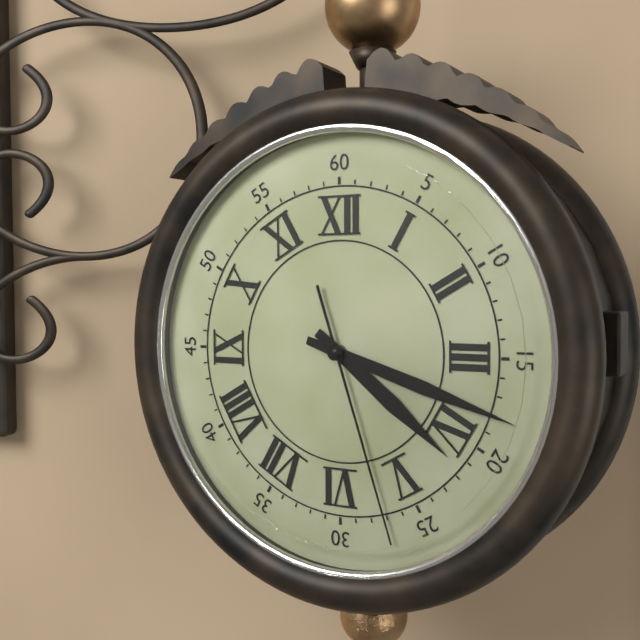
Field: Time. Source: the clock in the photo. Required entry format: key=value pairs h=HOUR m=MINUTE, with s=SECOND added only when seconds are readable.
h=4 m=18 s=27
